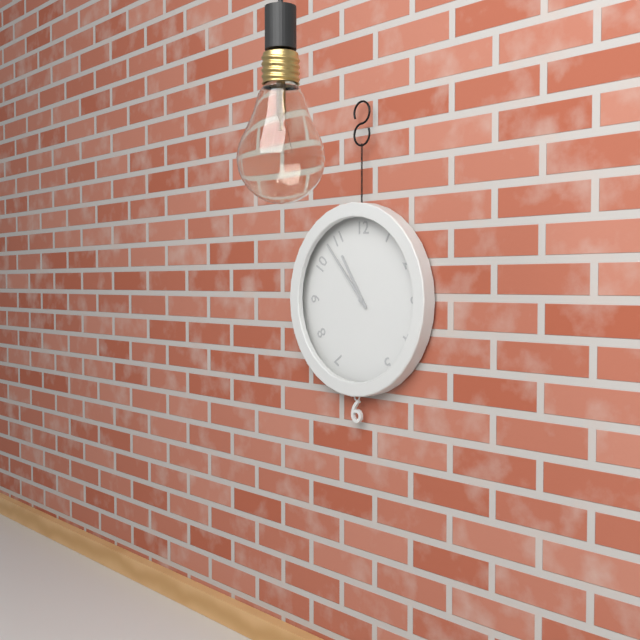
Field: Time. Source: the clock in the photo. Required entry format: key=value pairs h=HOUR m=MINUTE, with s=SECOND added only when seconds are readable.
h=10 m=53
